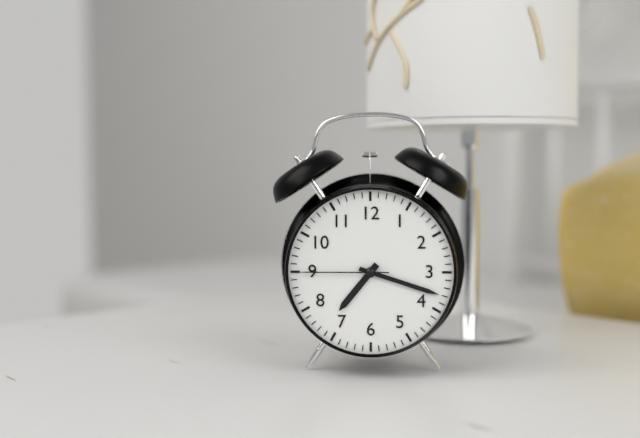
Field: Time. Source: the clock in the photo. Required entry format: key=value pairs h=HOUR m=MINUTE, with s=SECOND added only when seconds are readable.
h=7 m=18 s=45
